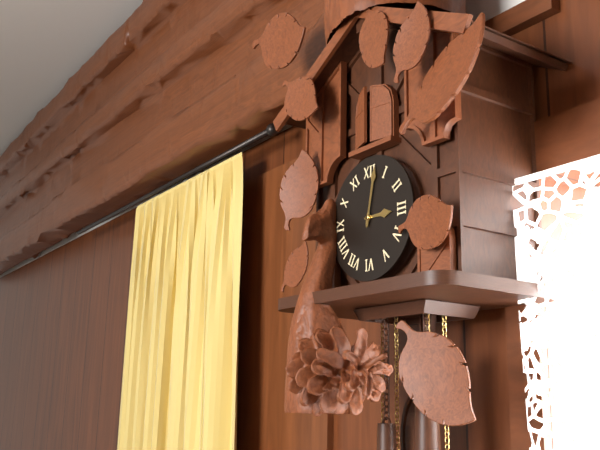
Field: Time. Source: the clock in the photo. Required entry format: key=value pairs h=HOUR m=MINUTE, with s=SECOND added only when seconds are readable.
h=3 m=2
